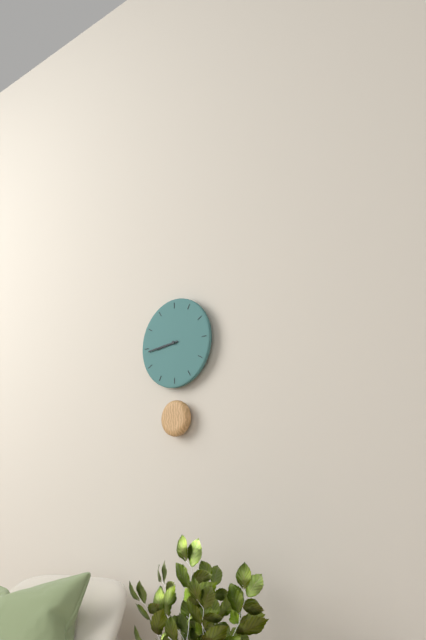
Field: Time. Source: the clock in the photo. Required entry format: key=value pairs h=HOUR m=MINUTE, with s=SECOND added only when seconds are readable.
h=8 m=44
